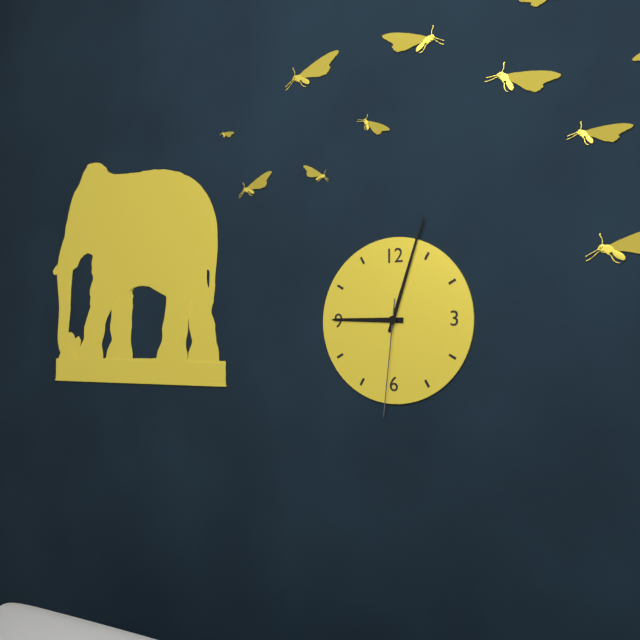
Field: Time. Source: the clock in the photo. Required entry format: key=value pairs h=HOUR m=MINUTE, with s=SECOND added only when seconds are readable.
h=9 m=3 s=31
